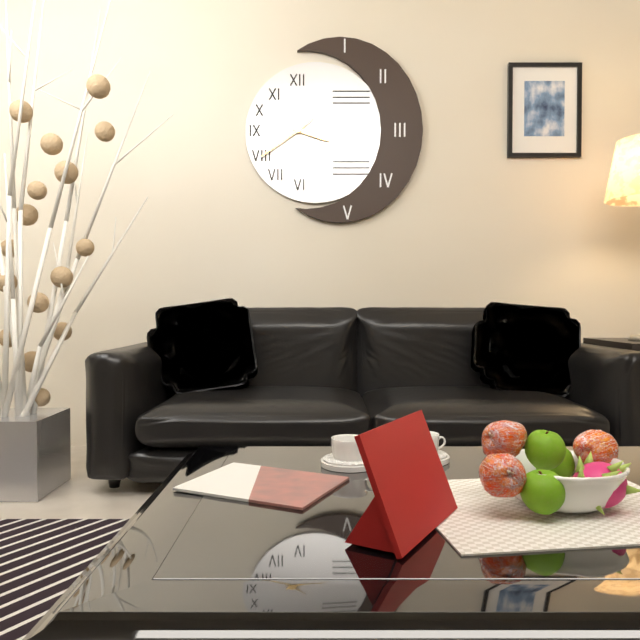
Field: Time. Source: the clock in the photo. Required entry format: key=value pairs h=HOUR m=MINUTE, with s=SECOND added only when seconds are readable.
h=3 m=39 s=39
